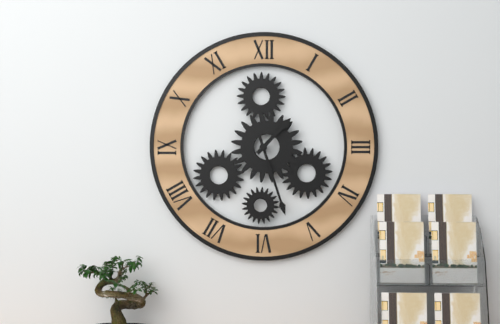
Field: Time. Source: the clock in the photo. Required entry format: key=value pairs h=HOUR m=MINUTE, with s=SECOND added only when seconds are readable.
h=1 m=27
